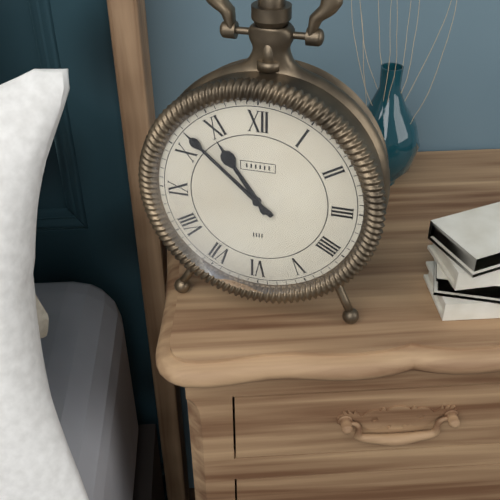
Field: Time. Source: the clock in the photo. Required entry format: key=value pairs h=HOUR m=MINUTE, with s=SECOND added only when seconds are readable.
h=10 m=52
